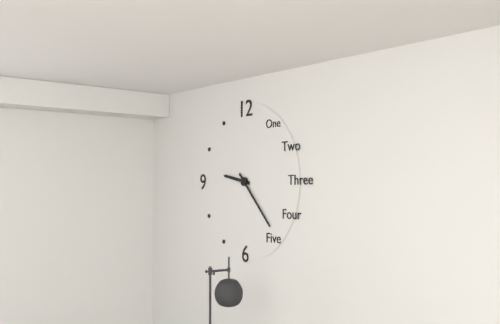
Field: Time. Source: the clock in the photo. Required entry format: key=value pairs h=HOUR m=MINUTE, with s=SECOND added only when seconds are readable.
h=9 m=23
